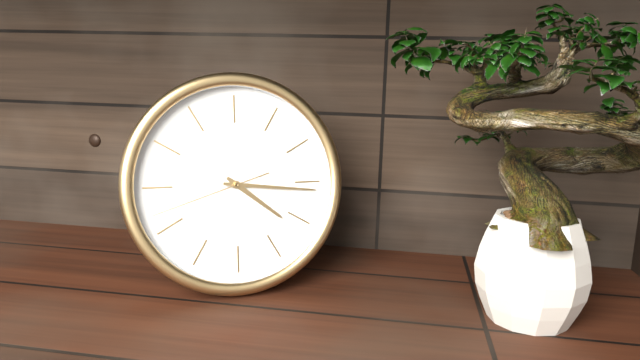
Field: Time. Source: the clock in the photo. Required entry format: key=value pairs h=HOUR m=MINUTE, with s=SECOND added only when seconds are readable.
h=4 m=16 s=42
